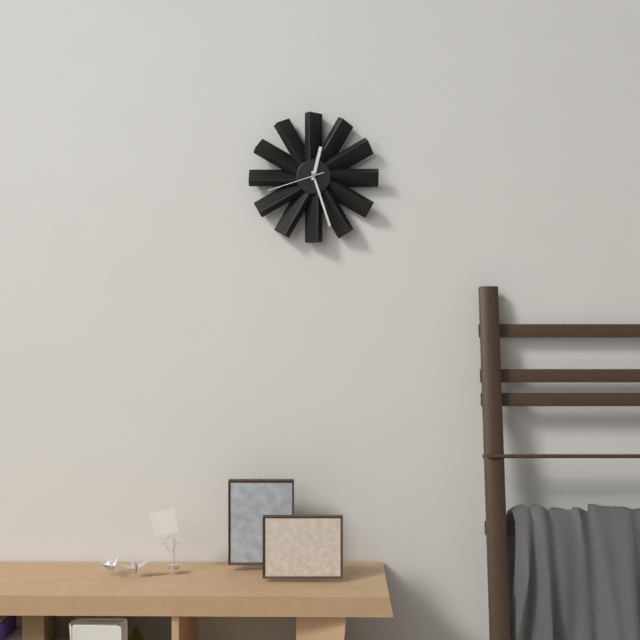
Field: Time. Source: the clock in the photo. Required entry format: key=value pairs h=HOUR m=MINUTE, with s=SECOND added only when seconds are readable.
h=12 m=27 s=42
